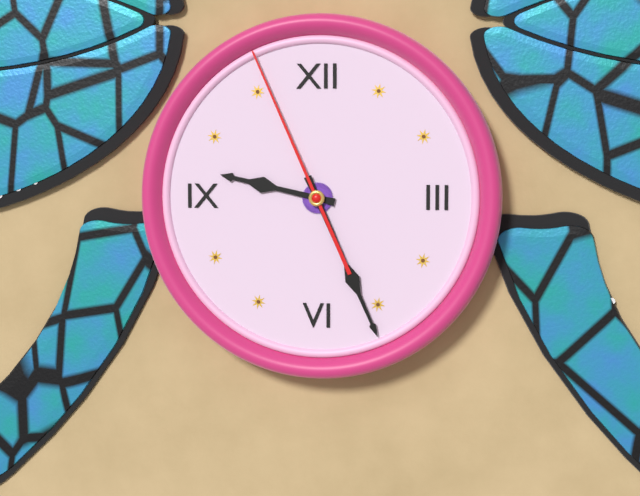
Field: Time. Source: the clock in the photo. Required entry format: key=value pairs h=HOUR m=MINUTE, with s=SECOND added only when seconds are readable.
h=9 m=26 s=56
